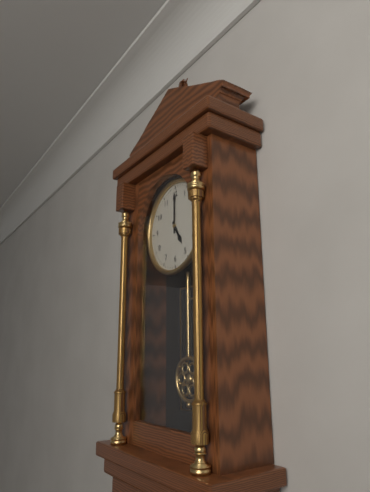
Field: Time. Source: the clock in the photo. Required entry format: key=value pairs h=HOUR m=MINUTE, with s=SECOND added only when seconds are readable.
h=5 m=0
